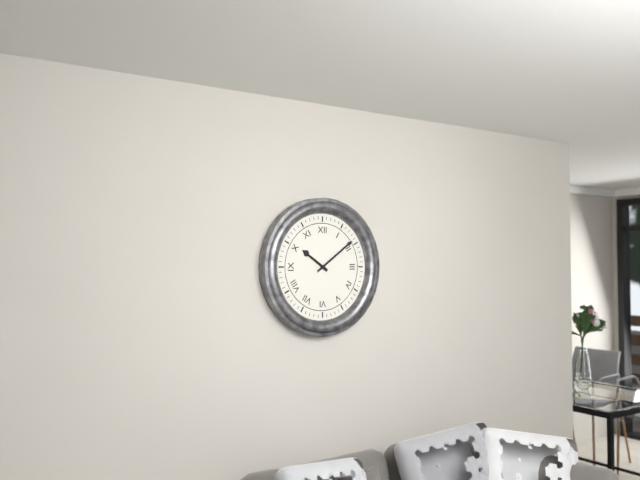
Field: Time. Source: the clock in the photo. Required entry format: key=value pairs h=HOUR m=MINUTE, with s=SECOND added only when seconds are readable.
h=10 m=9
